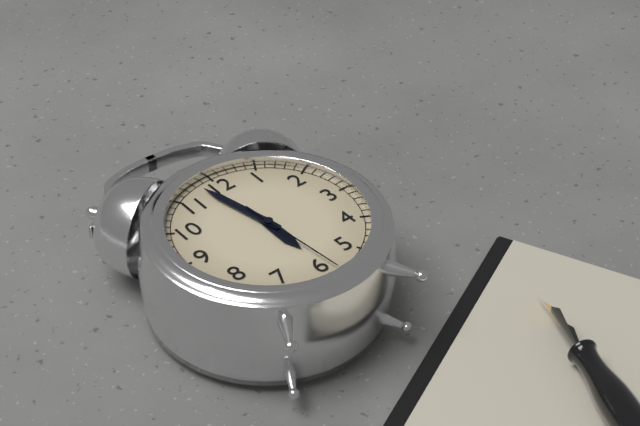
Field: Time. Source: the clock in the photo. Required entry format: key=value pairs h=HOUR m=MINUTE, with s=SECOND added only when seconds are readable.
h=5 m=58 s=29
